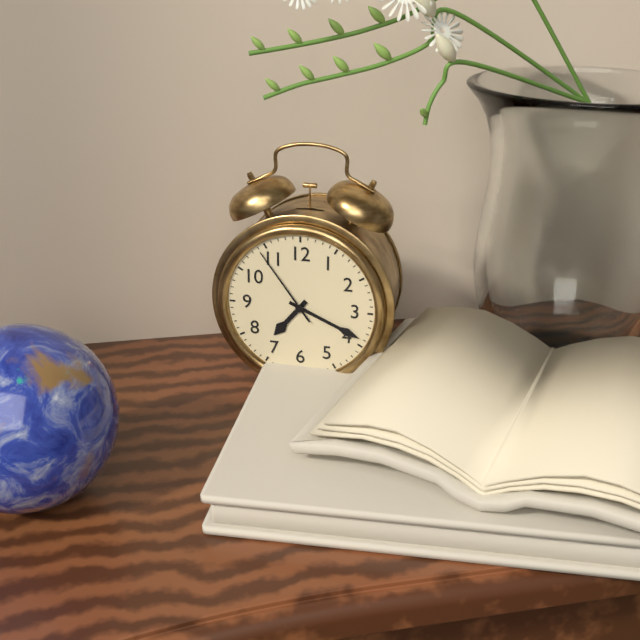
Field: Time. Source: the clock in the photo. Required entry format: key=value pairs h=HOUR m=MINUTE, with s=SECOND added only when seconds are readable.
h=7 m=19 s=54
